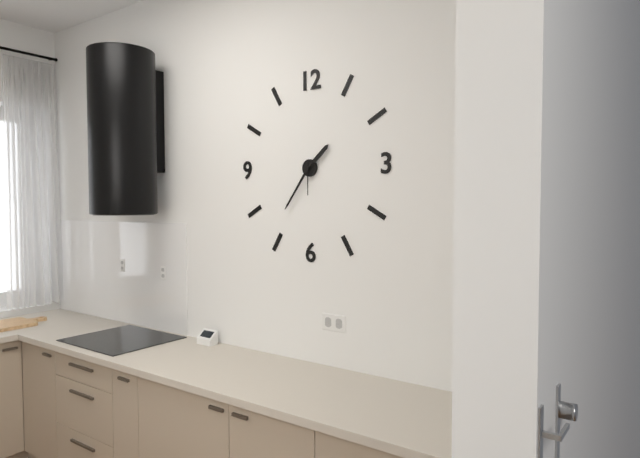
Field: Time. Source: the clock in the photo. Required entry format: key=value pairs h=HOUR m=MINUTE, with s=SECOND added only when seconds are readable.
h=1 m=36
